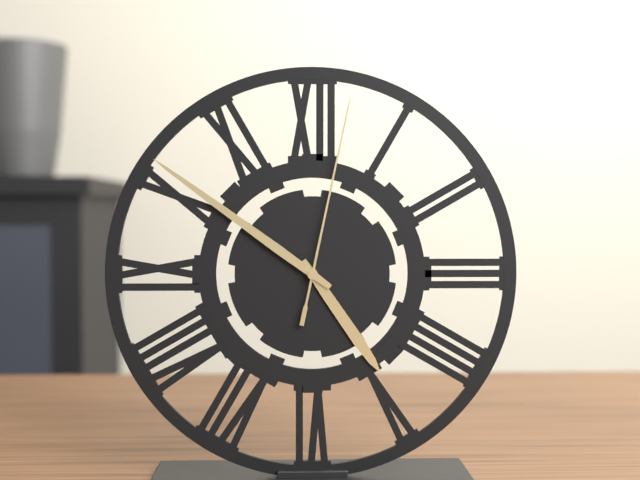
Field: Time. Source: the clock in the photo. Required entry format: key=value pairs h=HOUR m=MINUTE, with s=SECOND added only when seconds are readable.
h=4 m=51 s=2
